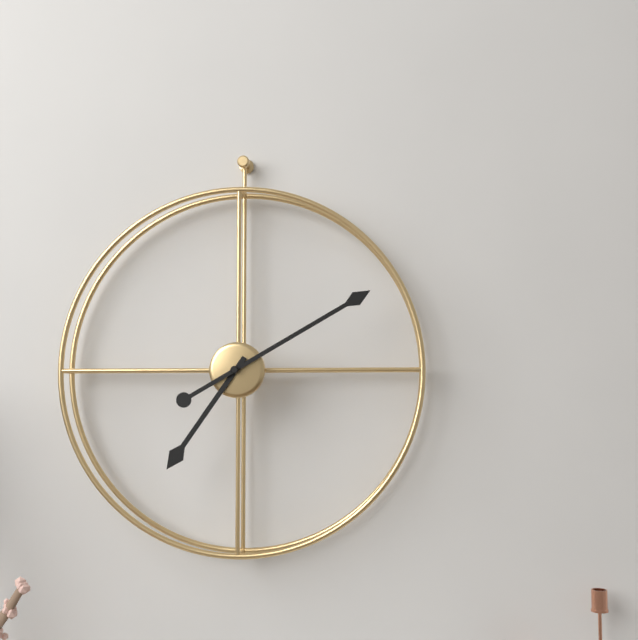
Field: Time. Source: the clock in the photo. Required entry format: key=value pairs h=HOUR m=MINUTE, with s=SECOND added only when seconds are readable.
h=7 m=10
